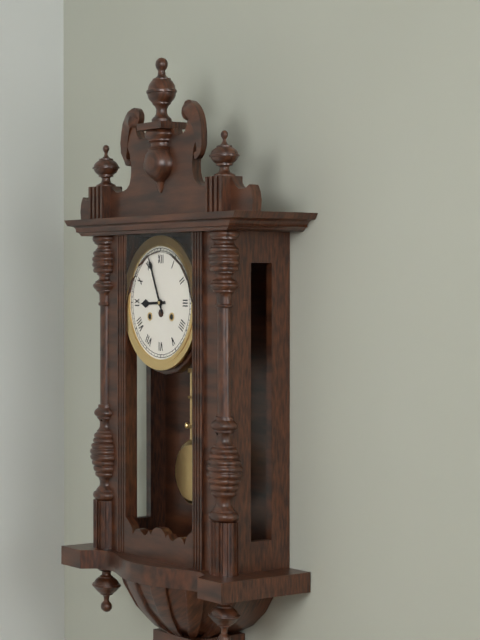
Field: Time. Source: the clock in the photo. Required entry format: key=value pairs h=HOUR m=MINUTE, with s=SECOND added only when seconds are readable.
h=8 m=56
